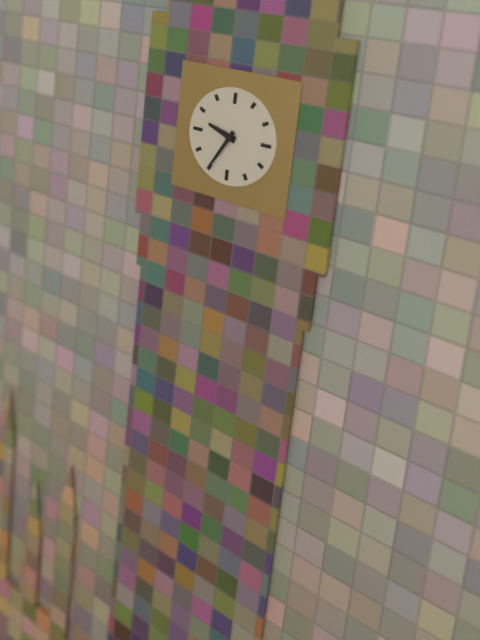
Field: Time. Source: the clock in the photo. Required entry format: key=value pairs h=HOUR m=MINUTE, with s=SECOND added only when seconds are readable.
h=9 m=35
